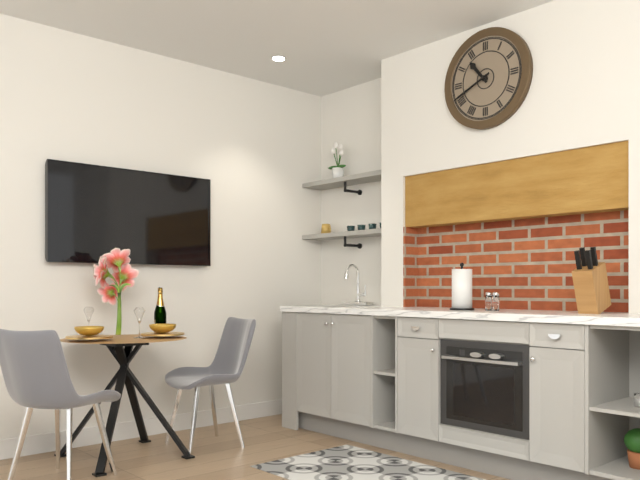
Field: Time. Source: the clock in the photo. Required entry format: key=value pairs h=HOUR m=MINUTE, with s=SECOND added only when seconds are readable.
h=10 m=41
